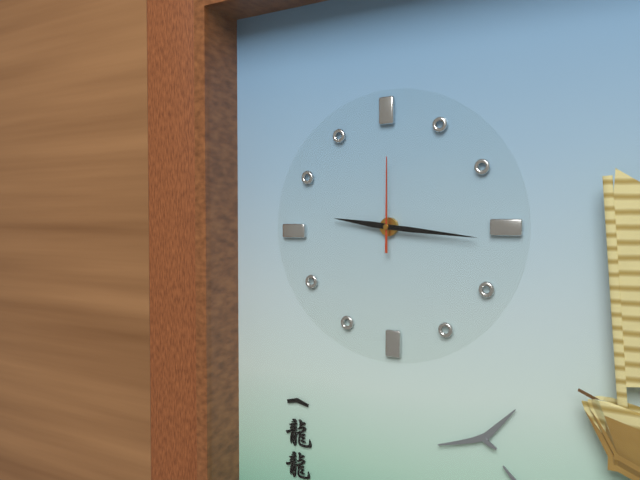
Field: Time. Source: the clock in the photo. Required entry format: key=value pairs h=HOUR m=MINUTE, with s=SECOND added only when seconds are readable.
h=9 m=16 s=0
